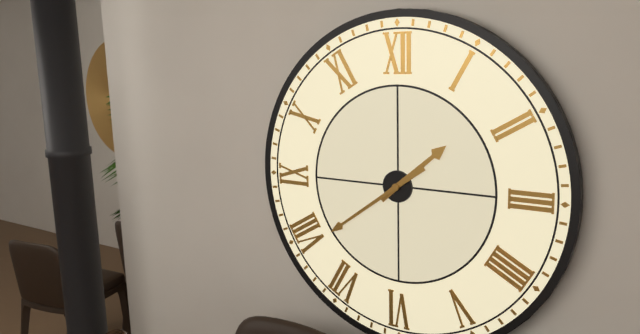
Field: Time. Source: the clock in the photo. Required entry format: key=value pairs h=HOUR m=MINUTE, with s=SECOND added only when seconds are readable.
h=1 m=39
